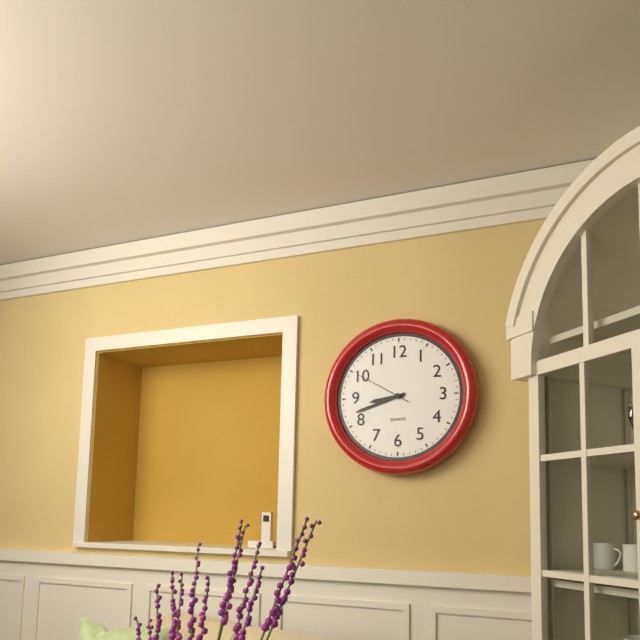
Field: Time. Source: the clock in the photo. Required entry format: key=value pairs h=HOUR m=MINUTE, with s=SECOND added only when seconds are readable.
h=8 m=42 s=50
